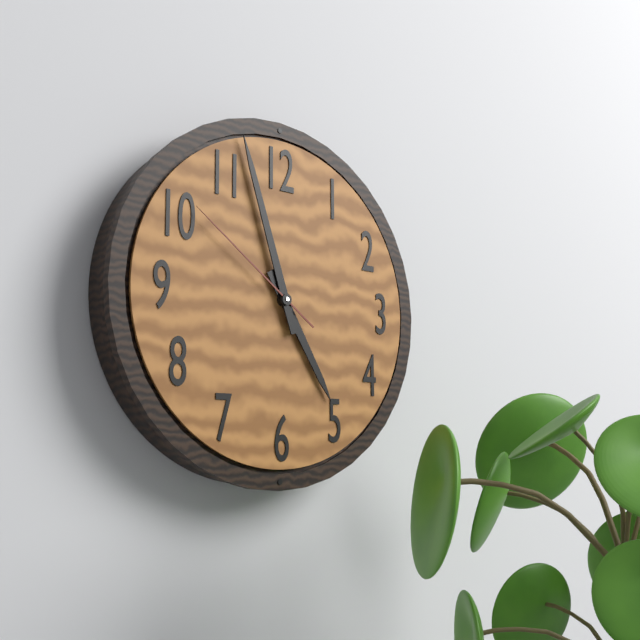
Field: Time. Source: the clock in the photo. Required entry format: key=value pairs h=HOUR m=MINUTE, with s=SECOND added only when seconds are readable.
h=4 m=57 s=51
